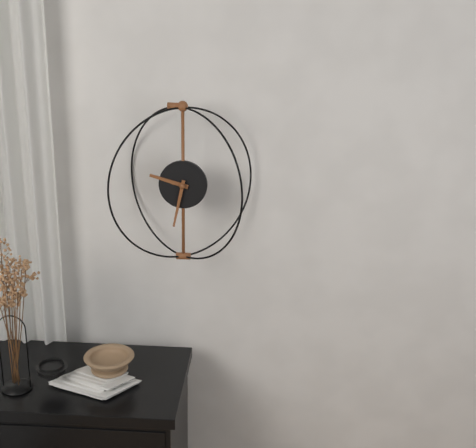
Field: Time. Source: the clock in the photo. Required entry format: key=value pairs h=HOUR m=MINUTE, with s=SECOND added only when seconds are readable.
h=9 m=32
